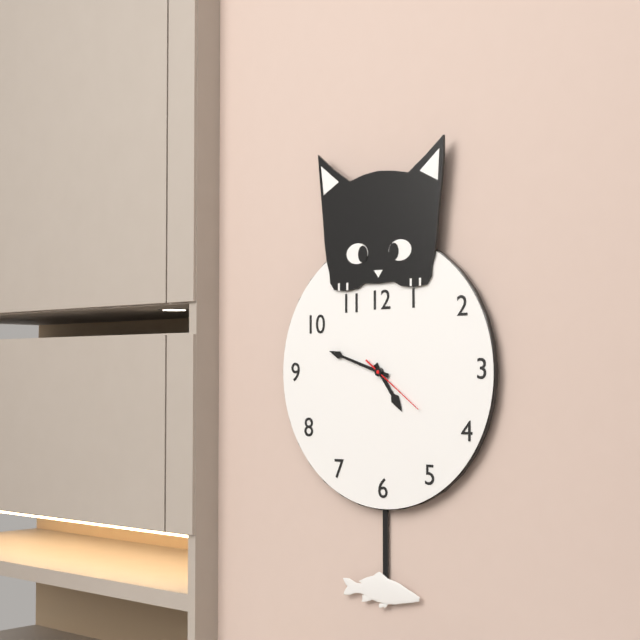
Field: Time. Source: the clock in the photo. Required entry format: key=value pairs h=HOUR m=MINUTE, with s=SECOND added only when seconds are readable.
h=4 m=48 s=21
